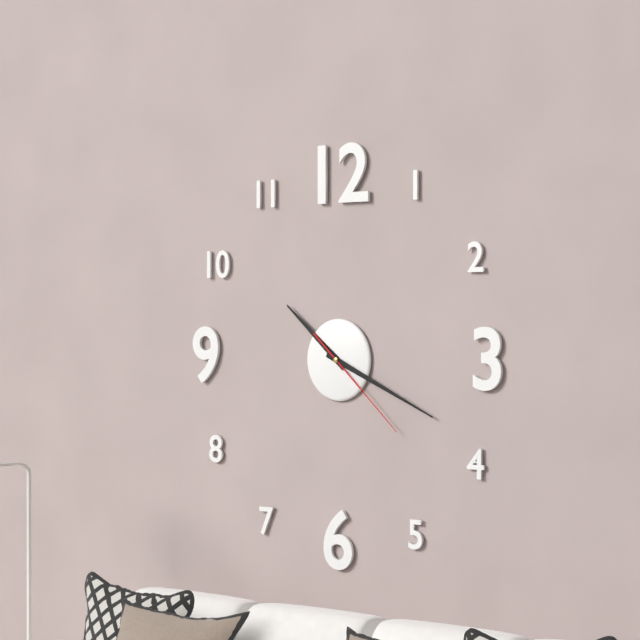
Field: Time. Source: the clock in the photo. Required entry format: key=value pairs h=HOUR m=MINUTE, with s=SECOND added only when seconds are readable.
h=10 m=19 s=22
